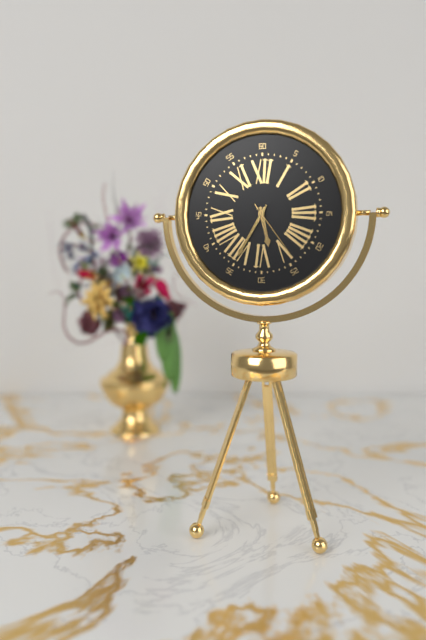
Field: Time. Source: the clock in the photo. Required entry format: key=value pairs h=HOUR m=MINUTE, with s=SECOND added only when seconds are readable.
h=5 m=35 s=24
